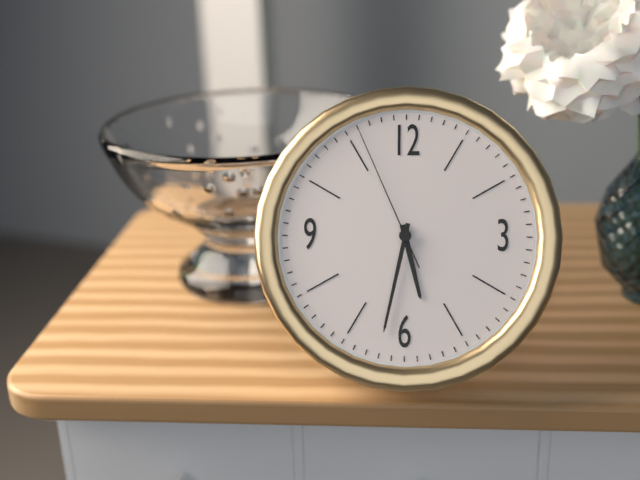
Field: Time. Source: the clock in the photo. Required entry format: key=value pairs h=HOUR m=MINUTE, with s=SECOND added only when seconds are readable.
h=5 m=32 s=56
